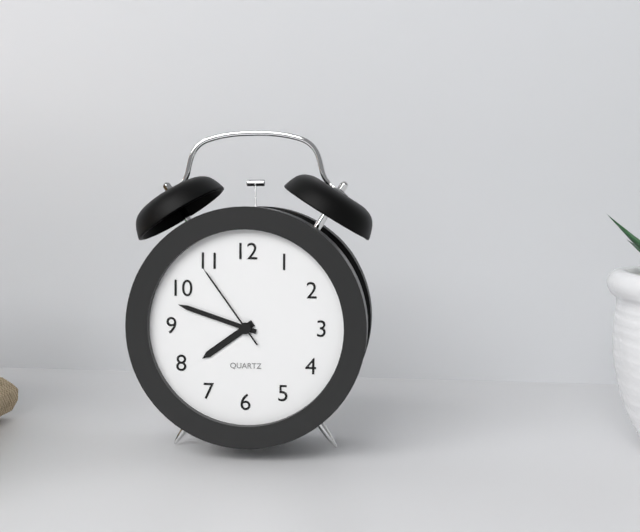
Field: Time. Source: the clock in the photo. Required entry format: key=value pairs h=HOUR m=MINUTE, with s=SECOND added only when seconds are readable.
h=7 m=48 s=54
